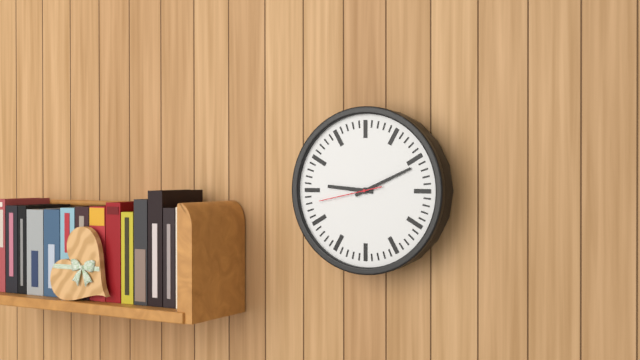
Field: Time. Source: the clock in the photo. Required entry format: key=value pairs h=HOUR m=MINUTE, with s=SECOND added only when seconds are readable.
h=9 m=11 s=43
